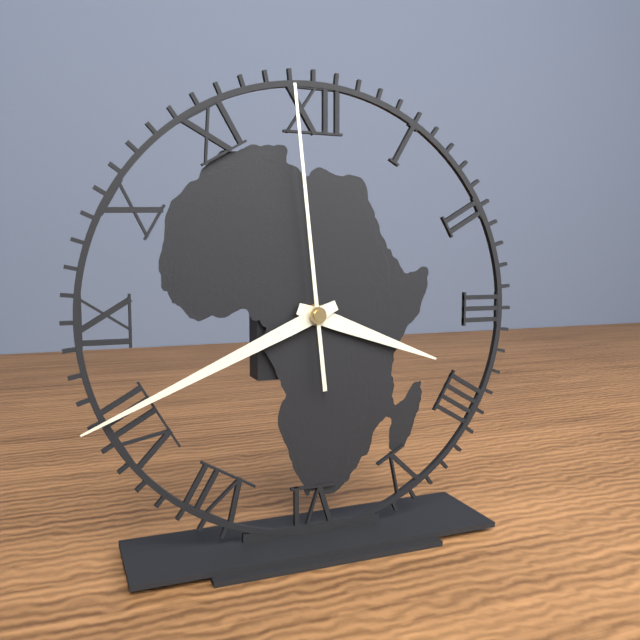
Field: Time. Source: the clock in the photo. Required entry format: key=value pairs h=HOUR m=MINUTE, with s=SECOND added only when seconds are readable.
h=3 m=41 s=59
